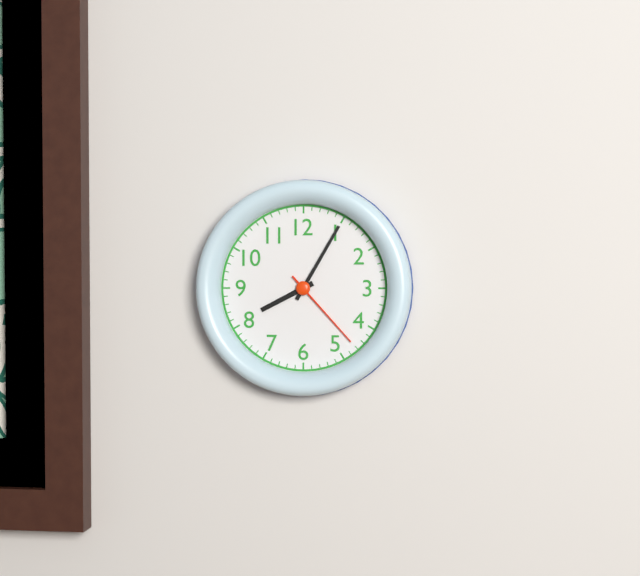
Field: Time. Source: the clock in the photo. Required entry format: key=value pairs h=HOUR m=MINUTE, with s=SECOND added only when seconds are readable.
h=8 m=5 s=23
